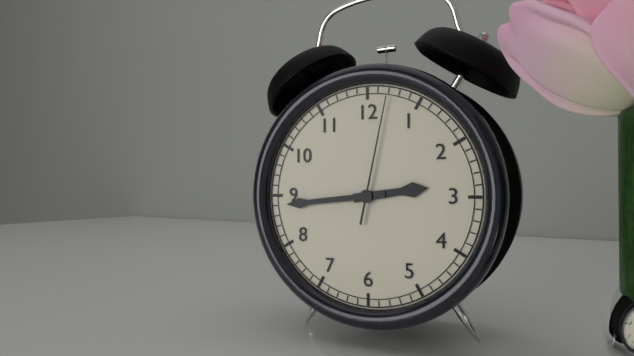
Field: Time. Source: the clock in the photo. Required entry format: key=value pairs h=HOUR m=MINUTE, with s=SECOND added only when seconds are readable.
h=2 m=44 s=2
